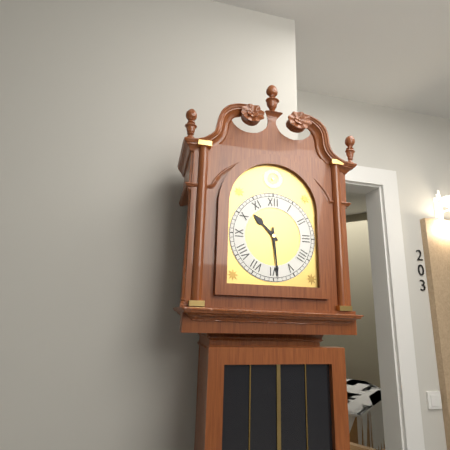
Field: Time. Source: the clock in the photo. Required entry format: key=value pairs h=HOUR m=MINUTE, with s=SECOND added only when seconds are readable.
h=10 m=29
